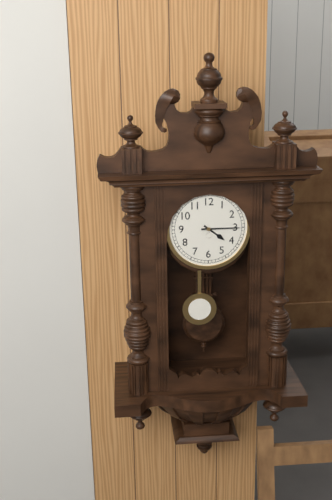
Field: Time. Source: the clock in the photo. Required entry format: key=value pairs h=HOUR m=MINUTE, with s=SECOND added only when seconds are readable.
h=4 m=15
